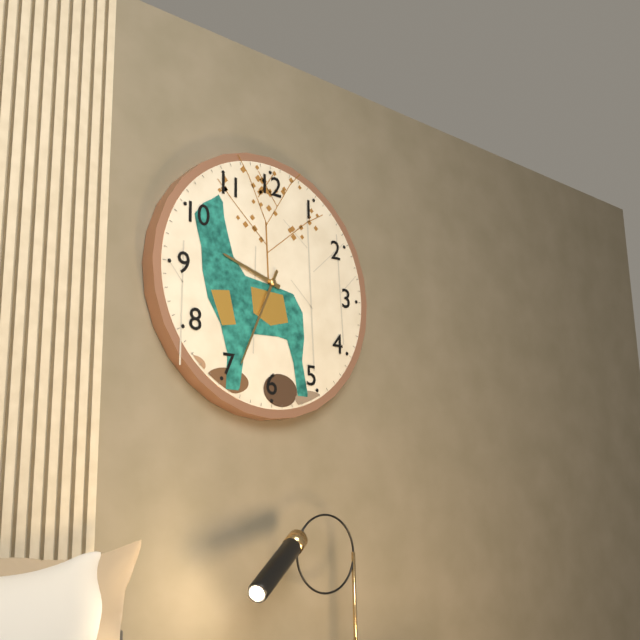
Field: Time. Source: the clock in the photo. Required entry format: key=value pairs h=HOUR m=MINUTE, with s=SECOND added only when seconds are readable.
h=9 m=34
